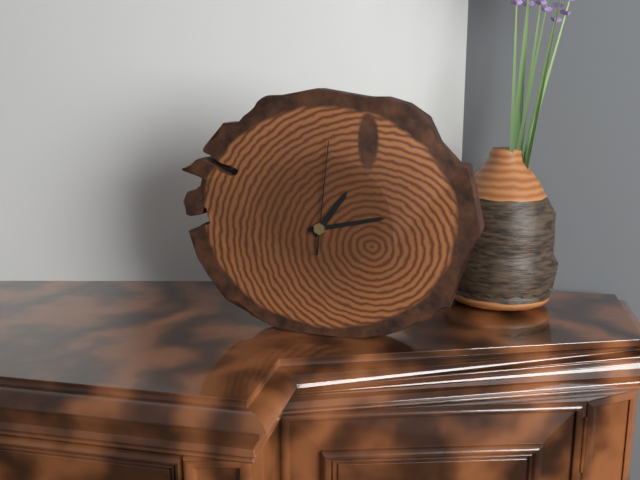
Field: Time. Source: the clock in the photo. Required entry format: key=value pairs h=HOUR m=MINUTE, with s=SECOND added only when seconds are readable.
h=1 m=13 s=1
